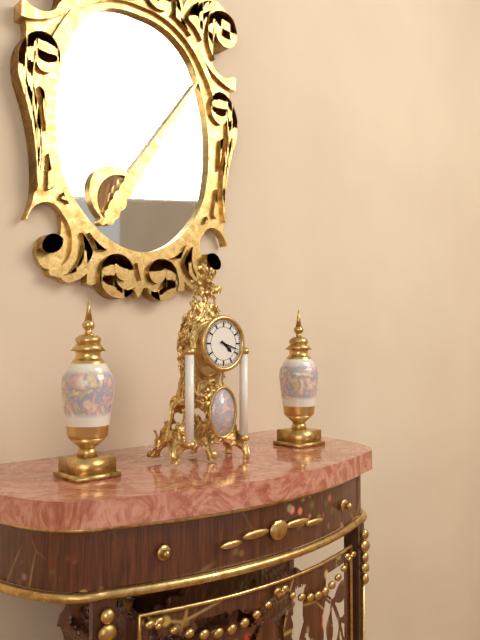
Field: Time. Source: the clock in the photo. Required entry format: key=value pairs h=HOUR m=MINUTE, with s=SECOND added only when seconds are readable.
h=4 m=18
